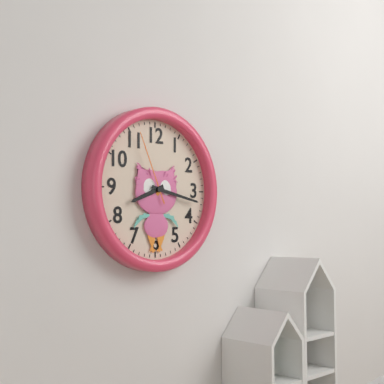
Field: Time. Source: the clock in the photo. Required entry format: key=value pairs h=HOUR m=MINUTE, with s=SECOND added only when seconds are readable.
h=8 m=17 s=56
